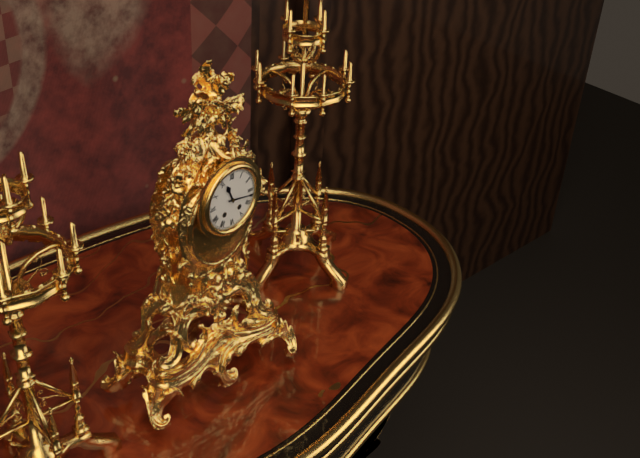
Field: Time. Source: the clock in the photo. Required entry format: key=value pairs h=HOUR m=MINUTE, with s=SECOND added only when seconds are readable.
h=11 m=17
